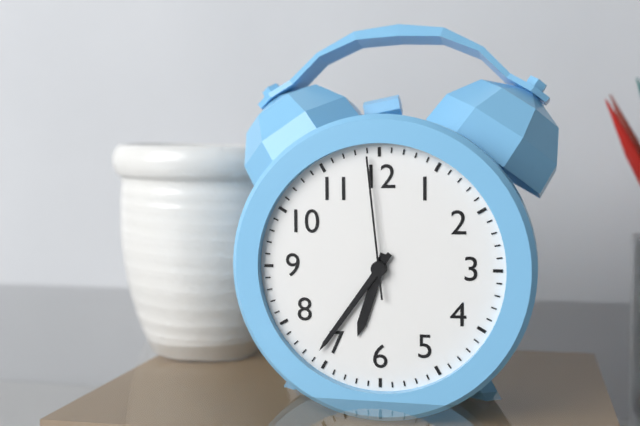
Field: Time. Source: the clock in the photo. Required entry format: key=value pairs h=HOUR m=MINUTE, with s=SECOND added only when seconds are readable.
h=6 m=36 s=59
